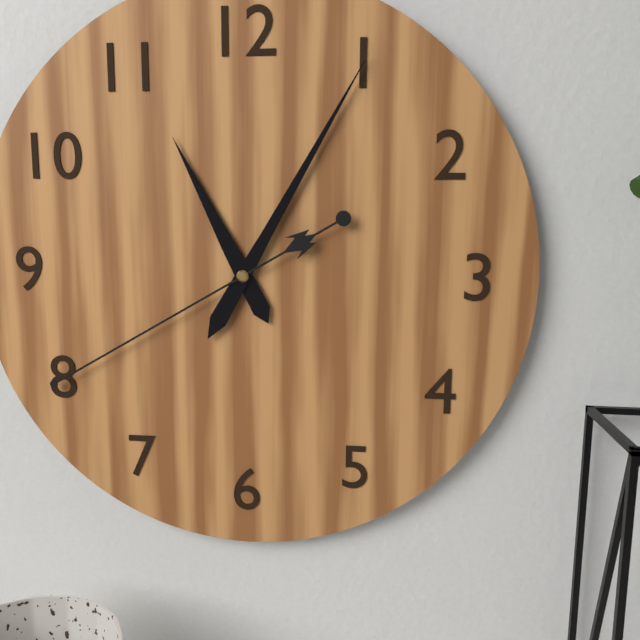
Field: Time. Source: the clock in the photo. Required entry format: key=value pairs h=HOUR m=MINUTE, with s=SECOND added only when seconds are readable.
h=11 m=5 s=40
